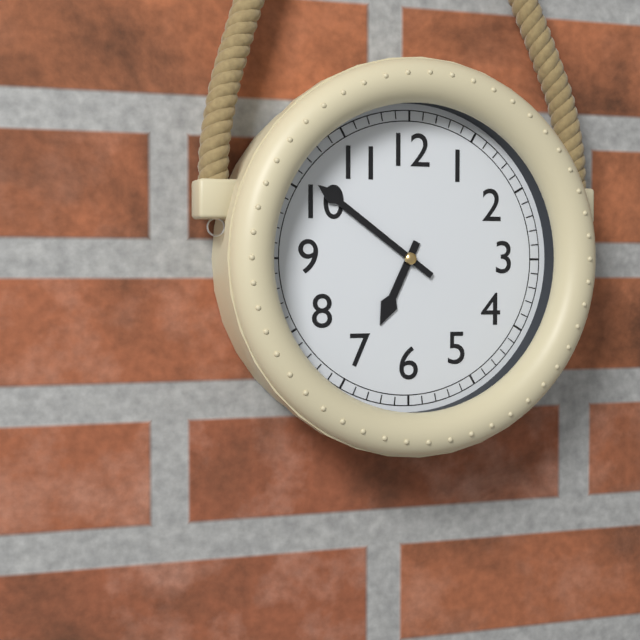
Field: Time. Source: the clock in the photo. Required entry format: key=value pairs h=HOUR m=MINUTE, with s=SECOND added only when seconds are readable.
h=6 m=51
